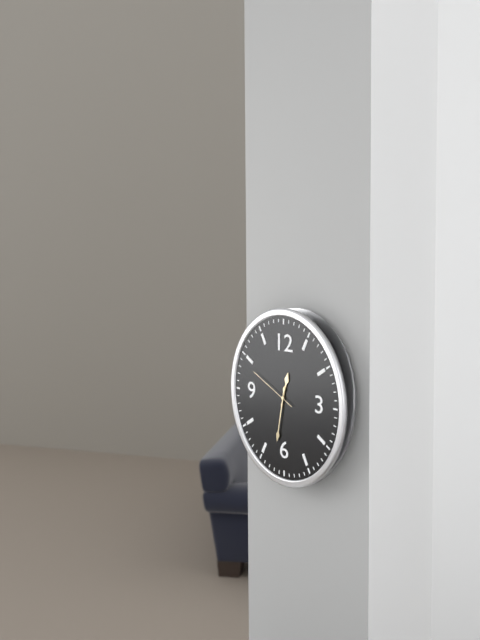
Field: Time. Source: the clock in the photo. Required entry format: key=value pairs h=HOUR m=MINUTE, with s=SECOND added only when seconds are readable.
h=12 m=32
